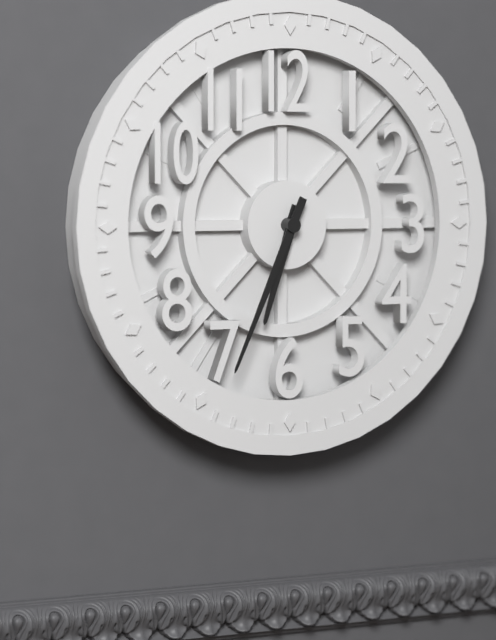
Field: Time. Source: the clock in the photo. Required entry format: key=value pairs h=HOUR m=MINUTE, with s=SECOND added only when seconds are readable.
h=6 m=34
